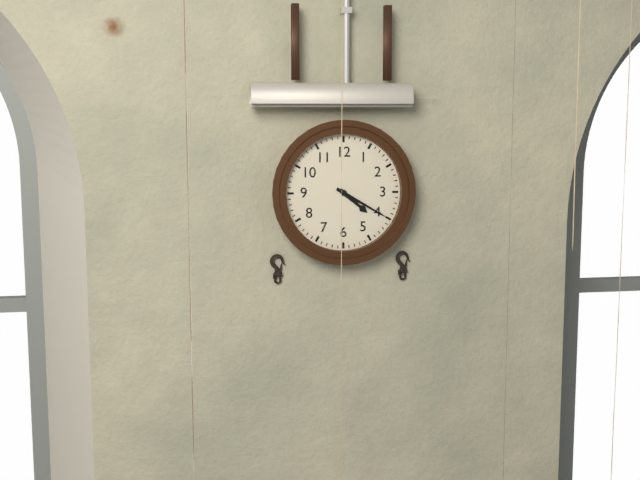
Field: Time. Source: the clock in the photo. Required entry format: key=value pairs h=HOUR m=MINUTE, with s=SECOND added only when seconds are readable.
h=4 m=20
